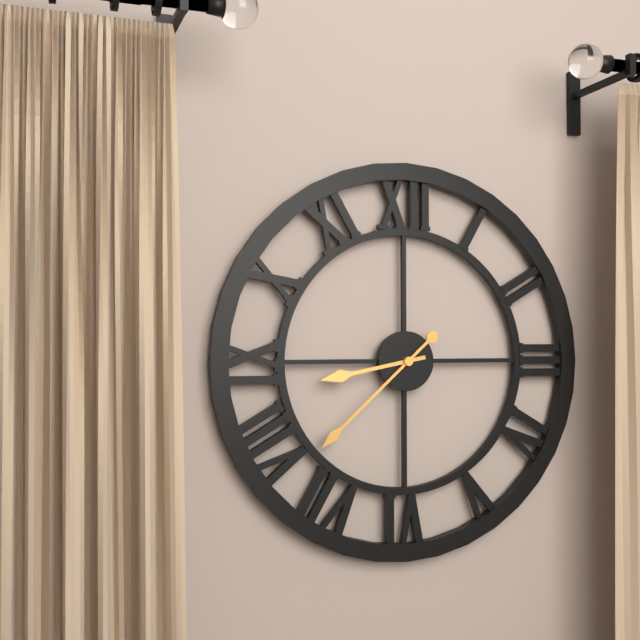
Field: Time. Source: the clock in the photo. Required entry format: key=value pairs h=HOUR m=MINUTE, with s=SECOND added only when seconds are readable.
h=8 m=38
